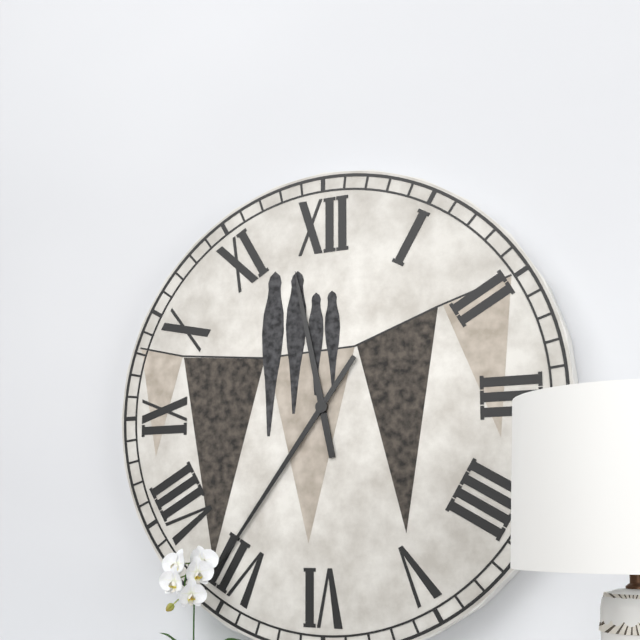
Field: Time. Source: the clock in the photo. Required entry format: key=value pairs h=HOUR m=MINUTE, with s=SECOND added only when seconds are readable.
h=11 m=36
